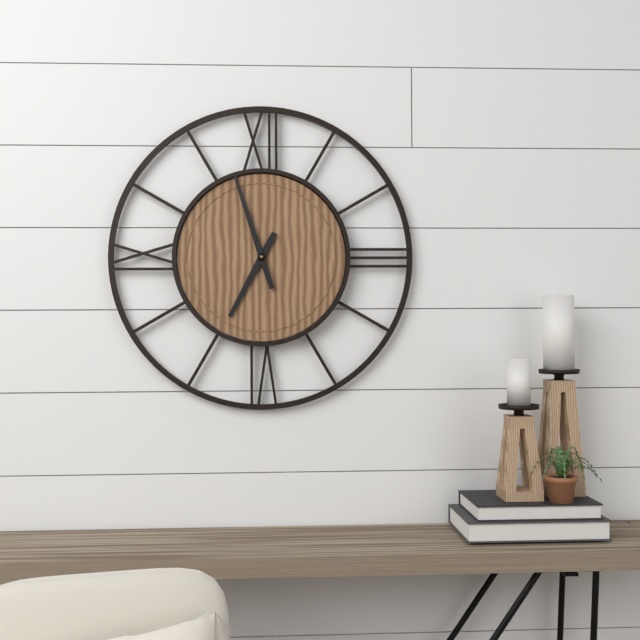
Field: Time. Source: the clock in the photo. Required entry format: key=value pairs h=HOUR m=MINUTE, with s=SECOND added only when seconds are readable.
h=6 m=57
